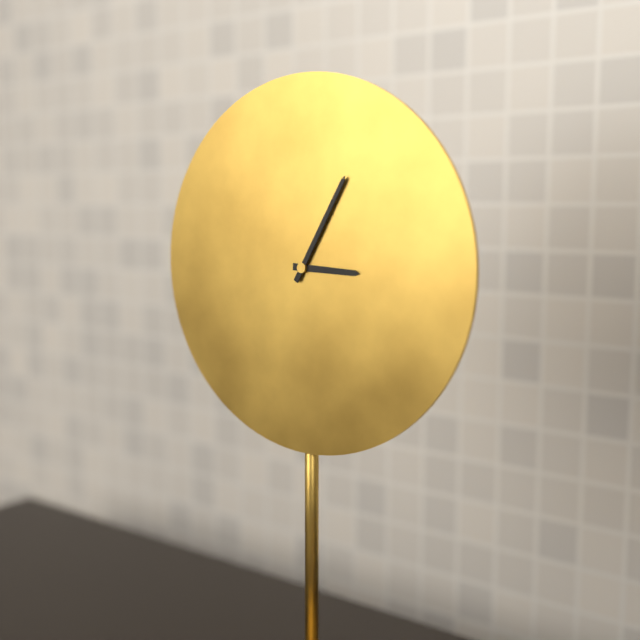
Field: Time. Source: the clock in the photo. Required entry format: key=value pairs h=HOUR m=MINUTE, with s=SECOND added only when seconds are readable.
h=3 m=5
